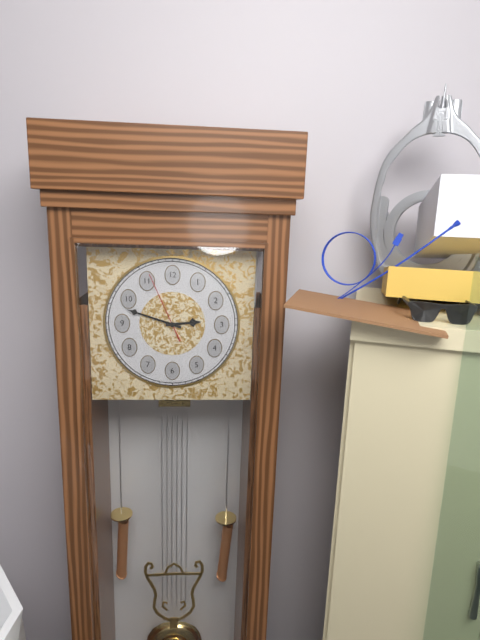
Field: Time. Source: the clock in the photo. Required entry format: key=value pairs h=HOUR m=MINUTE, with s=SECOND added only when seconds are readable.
h=2 m=48 s=56
